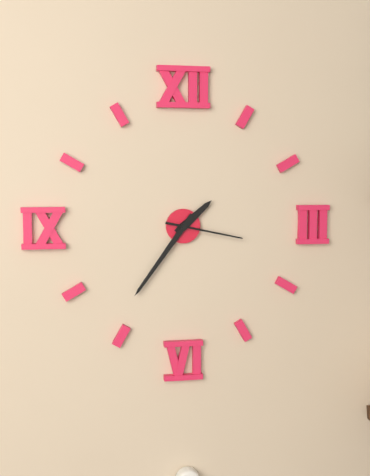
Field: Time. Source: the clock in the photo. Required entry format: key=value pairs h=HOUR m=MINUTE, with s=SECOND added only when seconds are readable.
h=1 m=36 s=17
